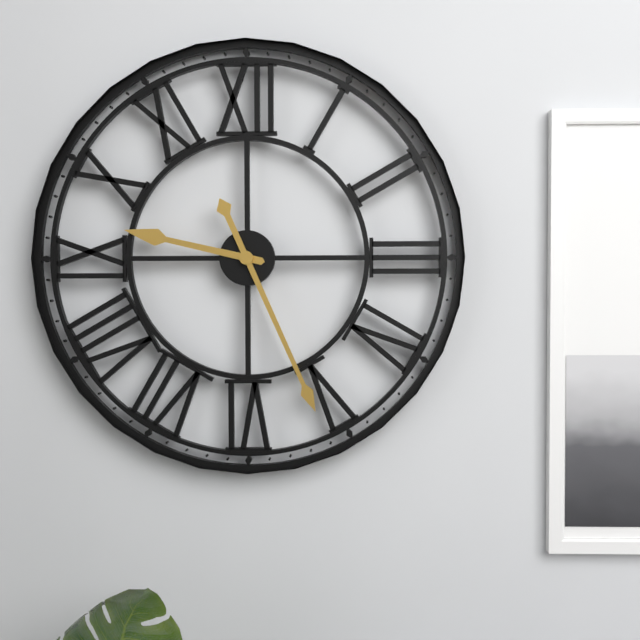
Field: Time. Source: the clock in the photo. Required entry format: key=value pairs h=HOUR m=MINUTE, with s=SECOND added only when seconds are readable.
h=9 m=26
